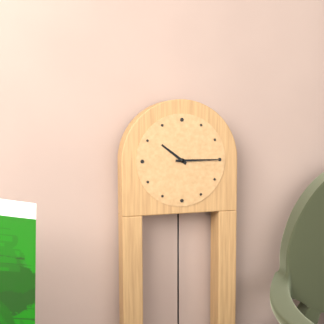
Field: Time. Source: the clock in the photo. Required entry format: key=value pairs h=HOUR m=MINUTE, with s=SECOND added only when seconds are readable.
h=10 m=15
